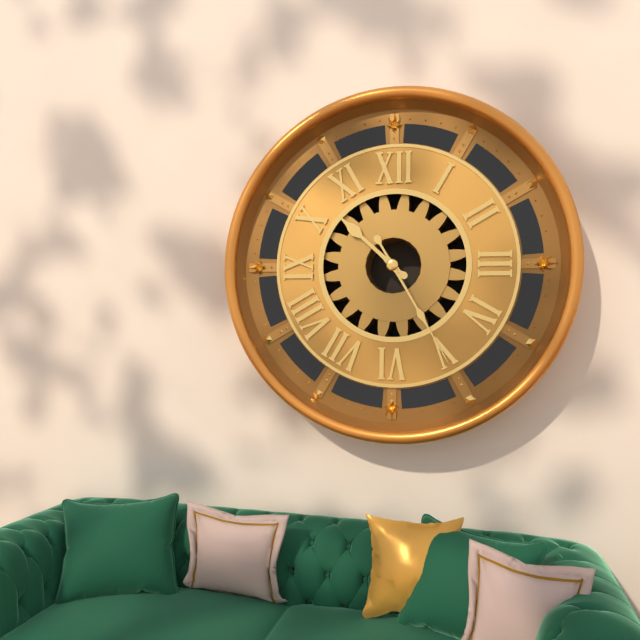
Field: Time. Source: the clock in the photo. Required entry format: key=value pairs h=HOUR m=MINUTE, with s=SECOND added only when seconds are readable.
h=10 m=25
